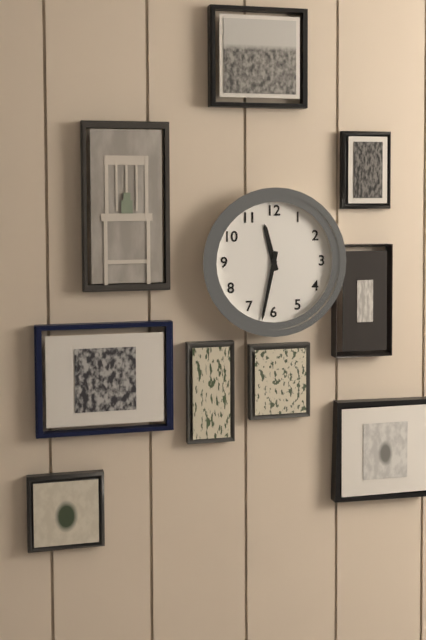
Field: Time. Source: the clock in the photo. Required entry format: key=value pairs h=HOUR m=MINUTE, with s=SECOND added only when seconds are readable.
h=11 m=32
